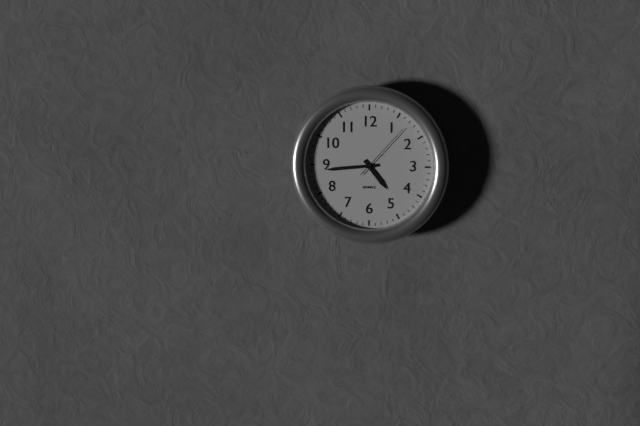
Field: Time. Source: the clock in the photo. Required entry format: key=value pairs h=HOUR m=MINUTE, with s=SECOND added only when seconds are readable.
h=4 m=44 s=7
